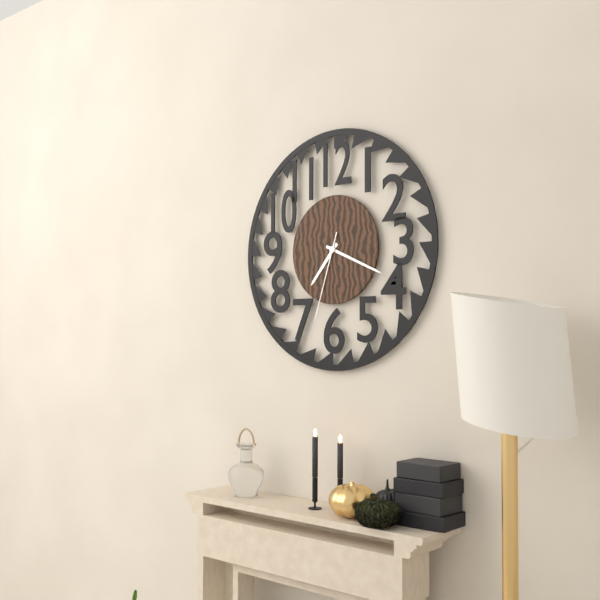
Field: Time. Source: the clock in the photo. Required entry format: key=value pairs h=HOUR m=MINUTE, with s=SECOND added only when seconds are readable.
h=7 m=19 s=33
